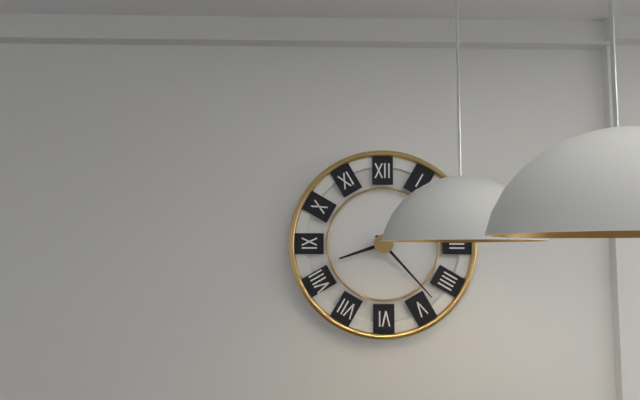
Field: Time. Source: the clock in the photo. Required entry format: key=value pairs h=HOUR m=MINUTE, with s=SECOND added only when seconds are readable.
h=8 m=23
